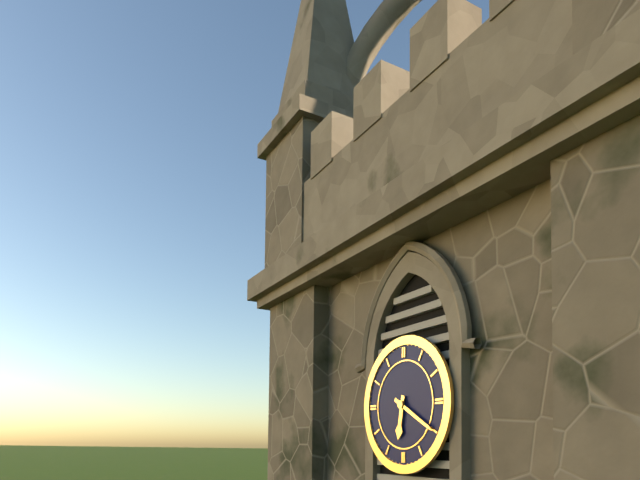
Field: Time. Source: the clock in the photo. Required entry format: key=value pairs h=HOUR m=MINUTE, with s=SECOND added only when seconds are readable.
h=6 m=20
